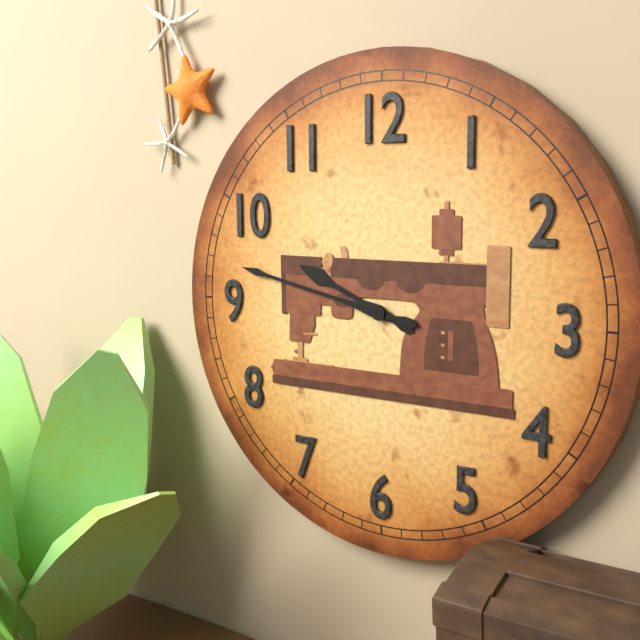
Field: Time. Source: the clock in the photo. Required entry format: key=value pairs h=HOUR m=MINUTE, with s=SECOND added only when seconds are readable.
h=9 m=47
